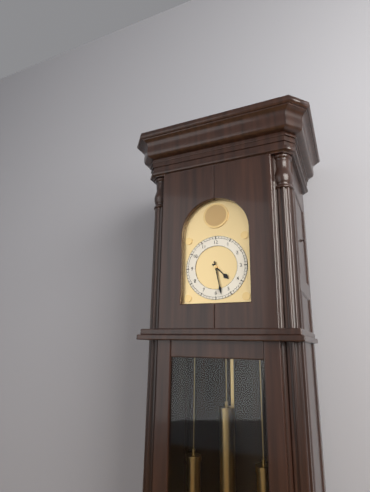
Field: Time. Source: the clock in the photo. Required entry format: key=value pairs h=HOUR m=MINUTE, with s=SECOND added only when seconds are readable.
h=4 m=28
